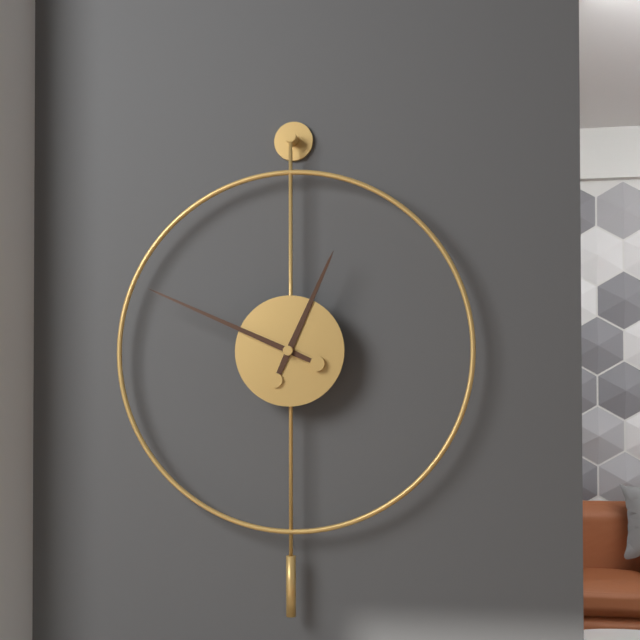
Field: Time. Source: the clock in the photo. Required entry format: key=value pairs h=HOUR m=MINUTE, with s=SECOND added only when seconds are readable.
h=12 m=49
